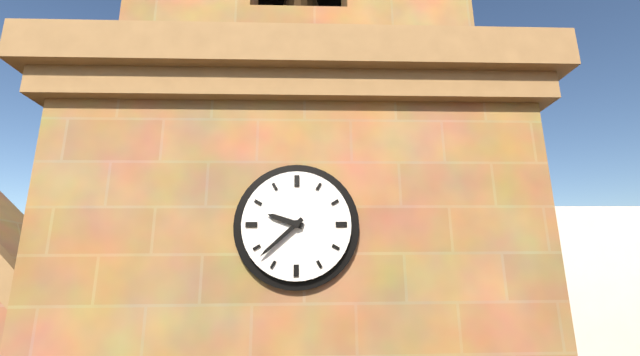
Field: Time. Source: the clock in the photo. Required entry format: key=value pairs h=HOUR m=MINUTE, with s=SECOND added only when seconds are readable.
h=9 m=38
